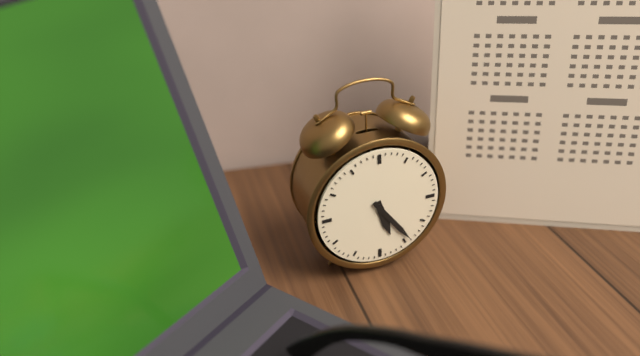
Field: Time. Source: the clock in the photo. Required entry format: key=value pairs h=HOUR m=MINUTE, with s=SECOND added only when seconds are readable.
h=5 m=24
